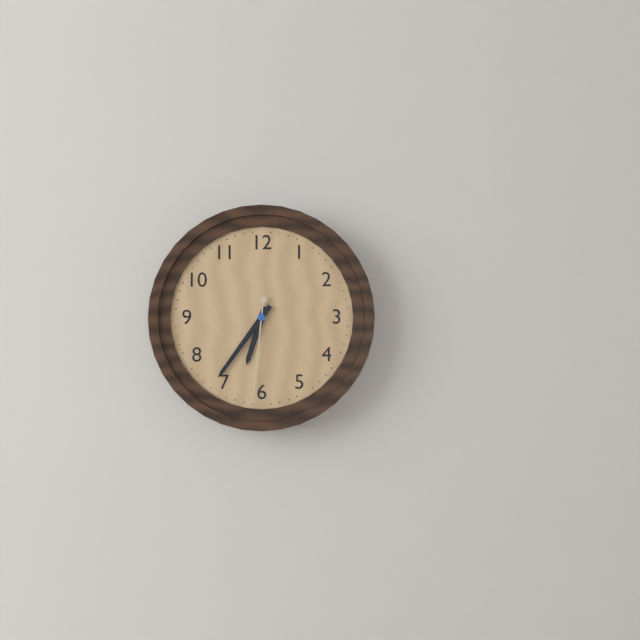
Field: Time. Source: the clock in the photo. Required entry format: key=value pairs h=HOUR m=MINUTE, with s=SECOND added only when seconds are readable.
h=6 m=36 s=31
